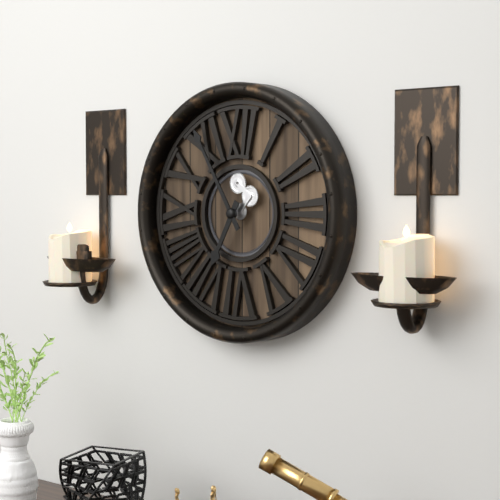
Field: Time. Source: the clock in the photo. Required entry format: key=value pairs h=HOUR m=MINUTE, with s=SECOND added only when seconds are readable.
h=6 m=55
